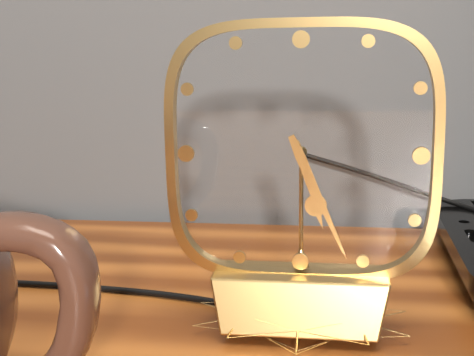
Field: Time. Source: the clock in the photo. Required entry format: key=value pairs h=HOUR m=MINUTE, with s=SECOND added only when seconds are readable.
h=5 m=26
